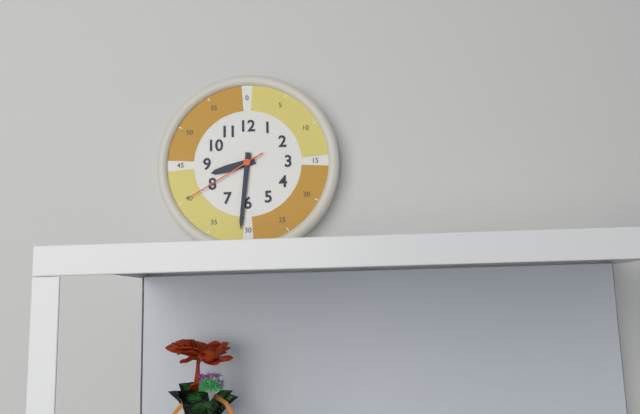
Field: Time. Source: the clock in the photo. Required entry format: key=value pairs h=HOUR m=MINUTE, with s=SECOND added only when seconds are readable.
h=8 m=31 s=40
